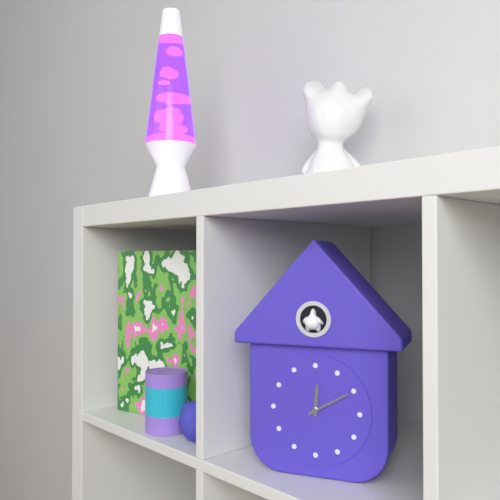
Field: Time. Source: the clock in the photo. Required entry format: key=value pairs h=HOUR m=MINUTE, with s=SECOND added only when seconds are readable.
h=12 m=10
